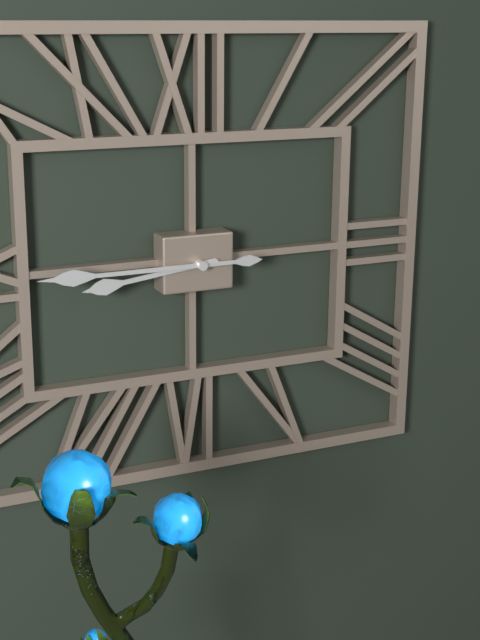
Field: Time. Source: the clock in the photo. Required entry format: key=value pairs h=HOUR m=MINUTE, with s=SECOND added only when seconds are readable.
h=8 m=45
